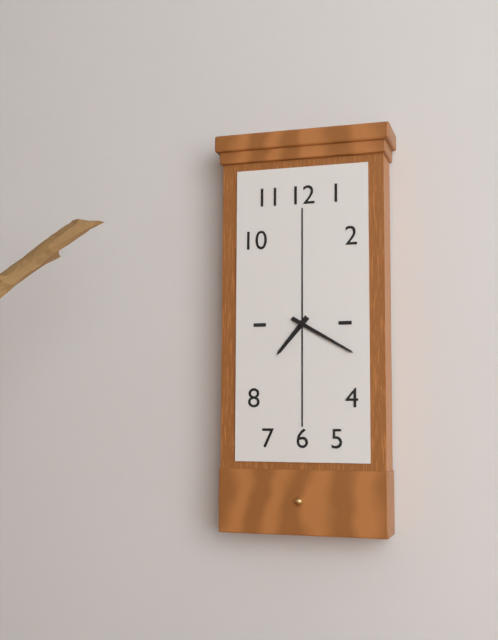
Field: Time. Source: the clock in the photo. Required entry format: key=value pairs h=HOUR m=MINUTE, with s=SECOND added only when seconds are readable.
h=7 m=20
